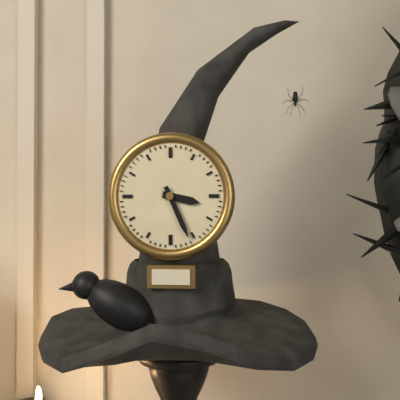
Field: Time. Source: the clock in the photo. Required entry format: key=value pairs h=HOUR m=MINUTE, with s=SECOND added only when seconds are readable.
h=3 m=26
